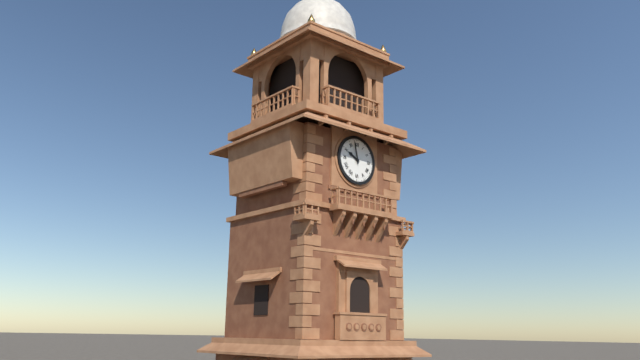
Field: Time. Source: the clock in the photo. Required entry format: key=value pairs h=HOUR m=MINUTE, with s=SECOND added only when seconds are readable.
h=9 m=58
